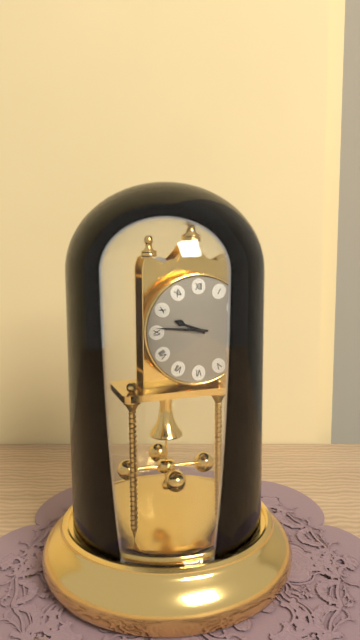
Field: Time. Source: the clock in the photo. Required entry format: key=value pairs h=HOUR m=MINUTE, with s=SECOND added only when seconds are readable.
h=9 m=46
